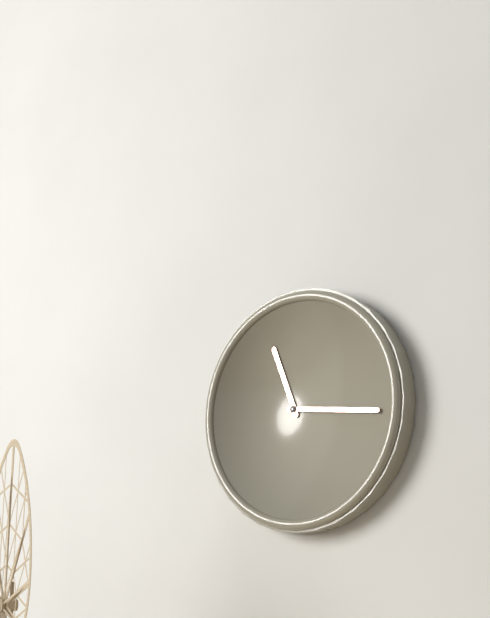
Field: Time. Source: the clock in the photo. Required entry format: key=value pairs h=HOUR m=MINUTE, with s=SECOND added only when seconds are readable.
h=11 m=16
